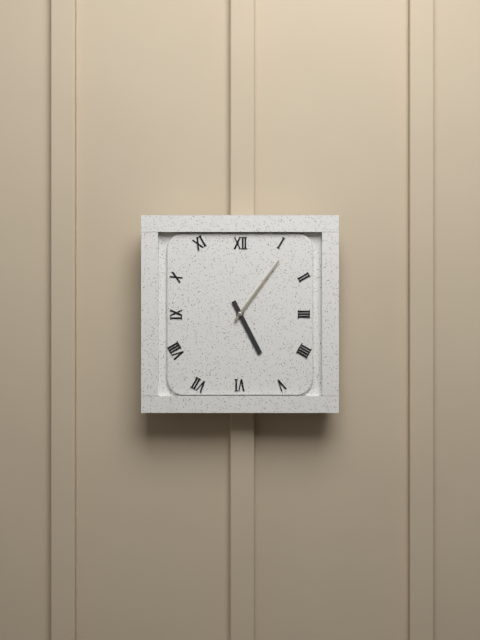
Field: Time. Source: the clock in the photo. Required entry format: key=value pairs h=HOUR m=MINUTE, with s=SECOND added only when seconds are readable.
h=5 m=6
